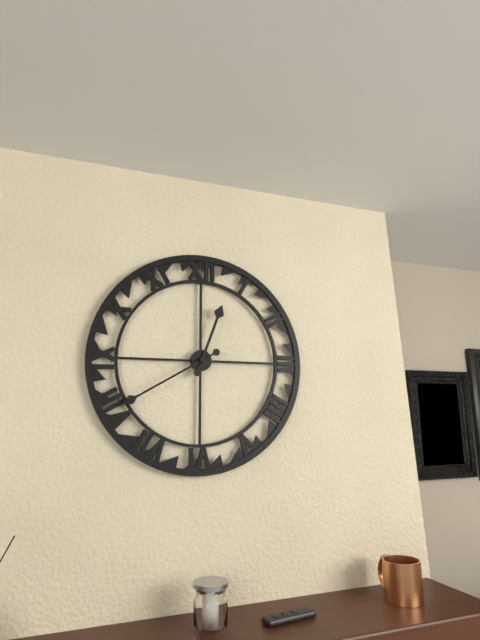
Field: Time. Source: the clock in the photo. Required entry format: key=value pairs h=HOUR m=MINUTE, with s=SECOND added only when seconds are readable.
h=12 m=40
